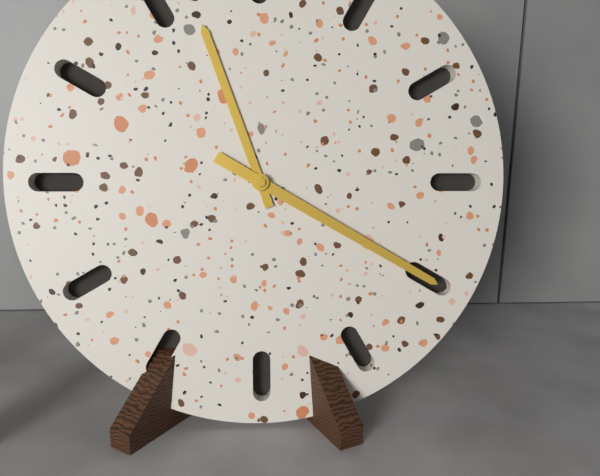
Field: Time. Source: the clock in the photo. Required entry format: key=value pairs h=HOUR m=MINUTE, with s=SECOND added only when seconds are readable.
h=11 m=20
